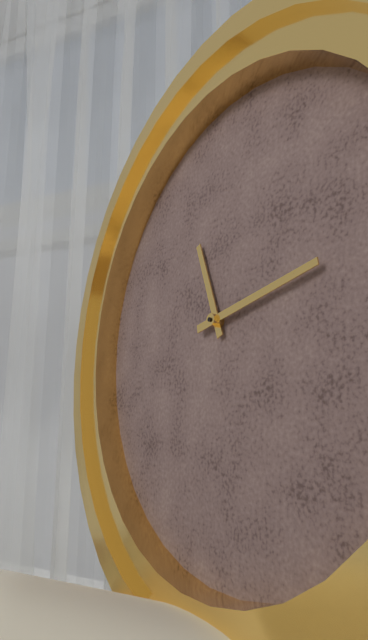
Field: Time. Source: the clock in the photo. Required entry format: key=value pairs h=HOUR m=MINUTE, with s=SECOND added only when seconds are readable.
h=11 m=13
